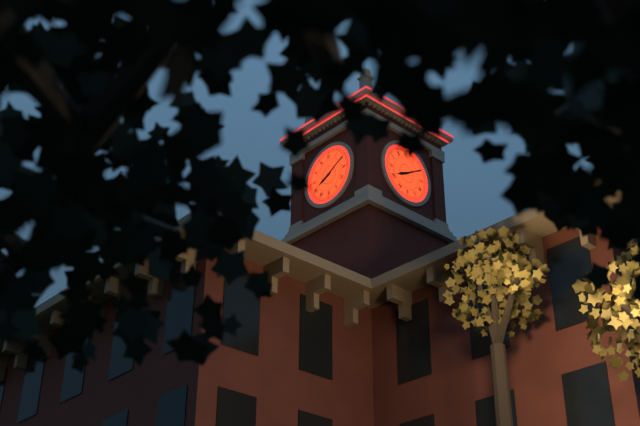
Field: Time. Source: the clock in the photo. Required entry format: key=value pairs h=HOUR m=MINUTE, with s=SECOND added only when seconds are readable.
h=8 m=10
